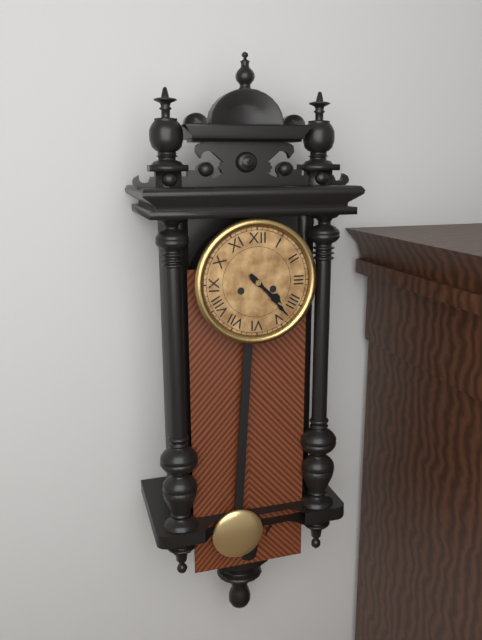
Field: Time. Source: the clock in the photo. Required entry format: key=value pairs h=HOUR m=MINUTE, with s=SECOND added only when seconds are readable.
h=4 m=23
